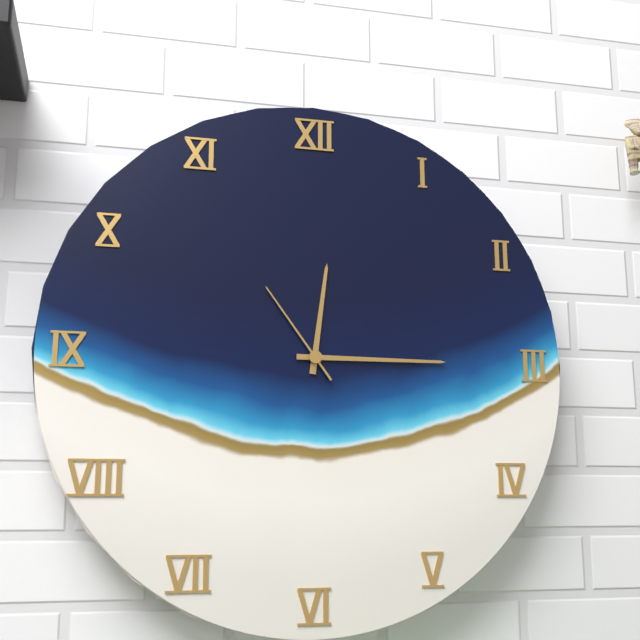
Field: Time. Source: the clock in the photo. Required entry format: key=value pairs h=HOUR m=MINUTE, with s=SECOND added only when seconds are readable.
h=12 m=15 s=54
